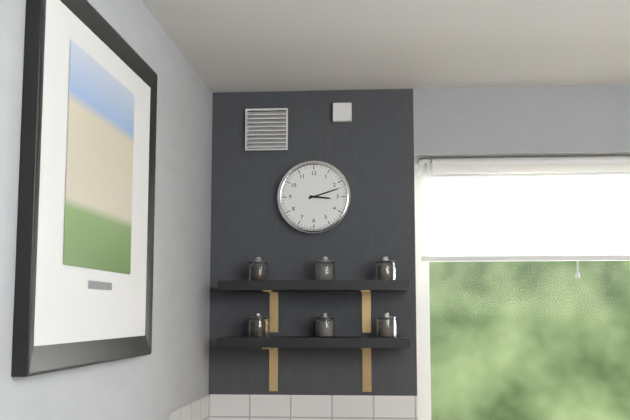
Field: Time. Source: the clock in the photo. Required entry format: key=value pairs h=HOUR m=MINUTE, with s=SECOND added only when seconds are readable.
h=3 m=12
